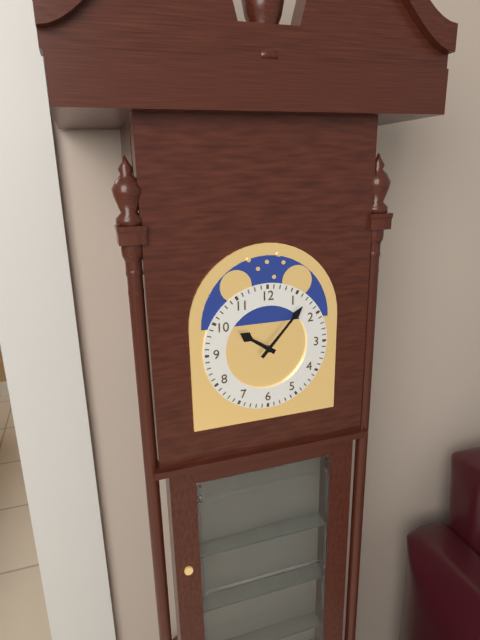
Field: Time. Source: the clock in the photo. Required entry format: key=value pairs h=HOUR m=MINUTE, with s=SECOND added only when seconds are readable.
h=10 m=7
